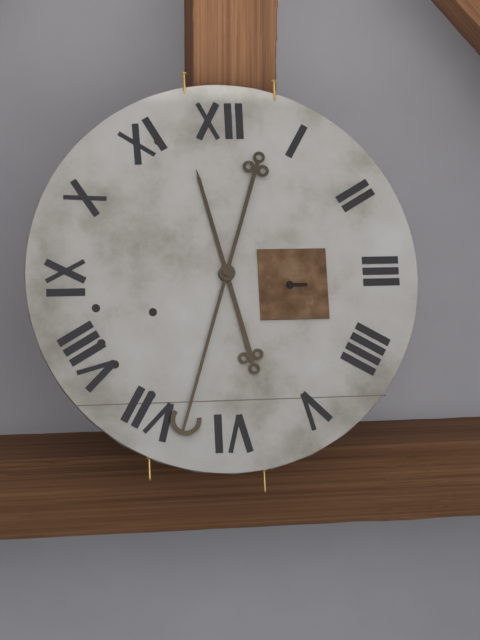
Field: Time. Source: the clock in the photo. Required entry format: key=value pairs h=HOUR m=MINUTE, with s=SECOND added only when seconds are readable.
h=11 m=33
